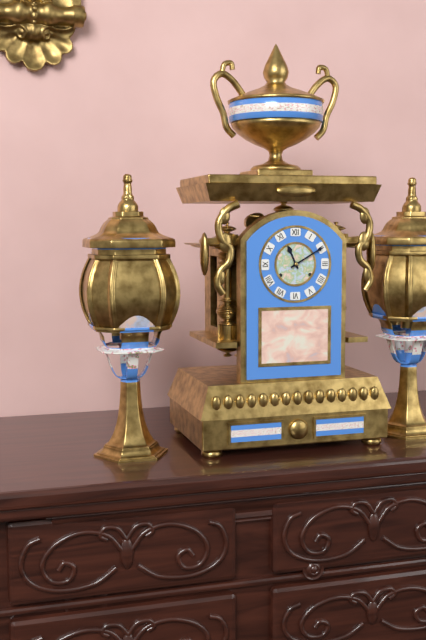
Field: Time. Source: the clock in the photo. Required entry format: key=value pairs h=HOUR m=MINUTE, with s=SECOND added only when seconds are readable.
h=11 m=10
